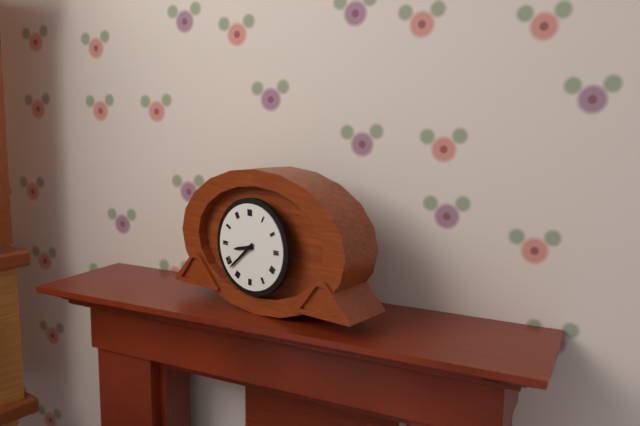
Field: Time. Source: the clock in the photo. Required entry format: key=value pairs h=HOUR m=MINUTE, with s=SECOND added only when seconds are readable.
h=8 m=38
